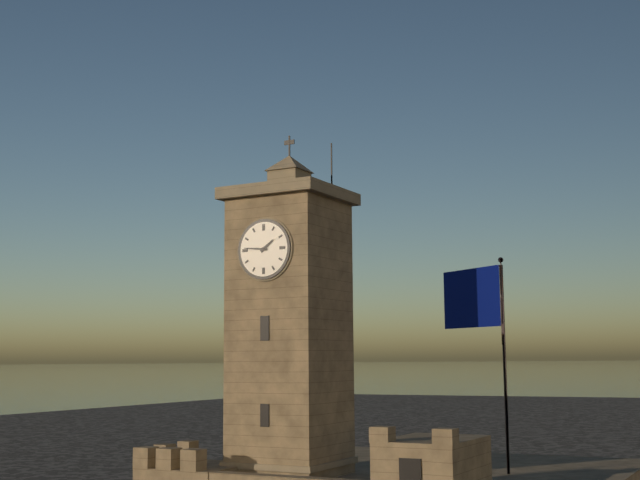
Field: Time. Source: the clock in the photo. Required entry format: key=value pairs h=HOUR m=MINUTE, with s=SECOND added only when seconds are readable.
h=1 m=46
